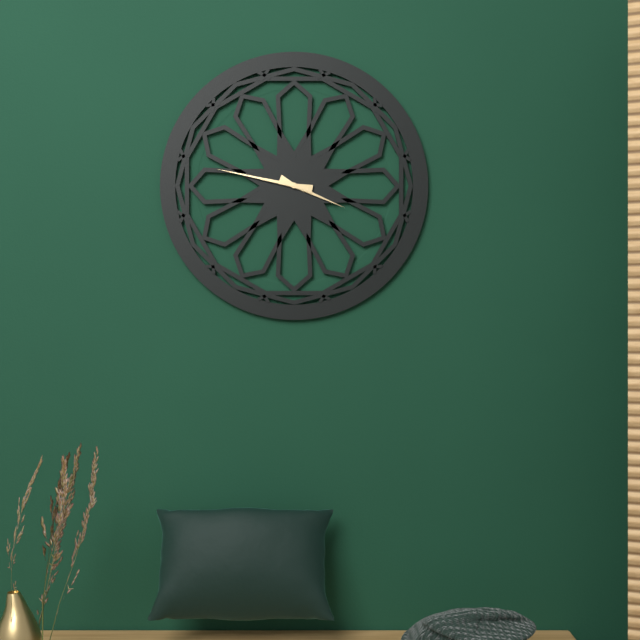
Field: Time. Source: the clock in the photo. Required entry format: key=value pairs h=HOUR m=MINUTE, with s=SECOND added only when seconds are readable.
h=3 m=47
